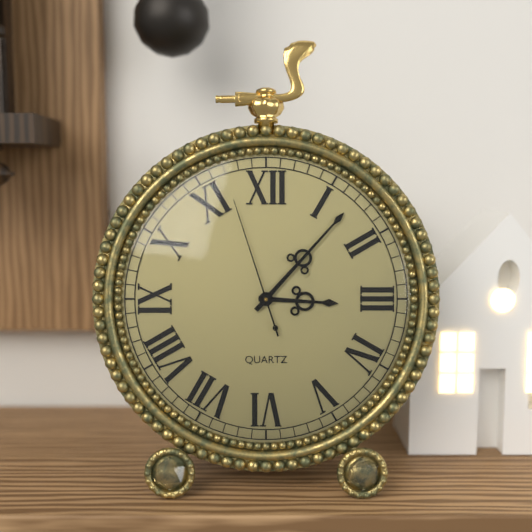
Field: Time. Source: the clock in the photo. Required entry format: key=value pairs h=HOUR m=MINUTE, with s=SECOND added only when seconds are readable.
h=3 m=7 s=57
